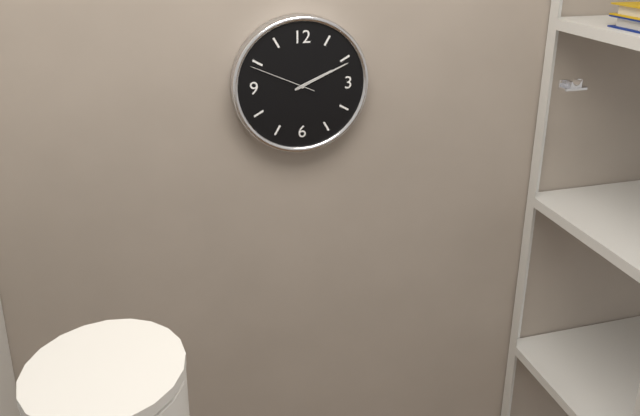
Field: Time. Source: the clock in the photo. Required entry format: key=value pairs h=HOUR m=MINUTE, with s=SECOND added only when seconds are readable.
h=2 m=11 s=49
